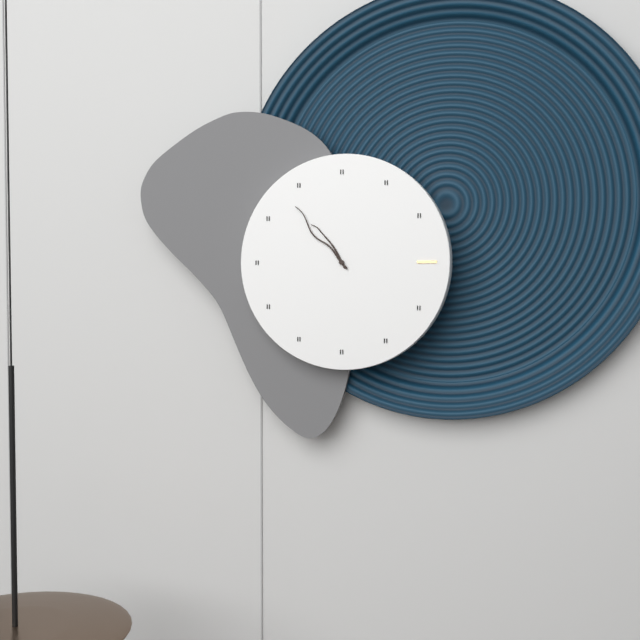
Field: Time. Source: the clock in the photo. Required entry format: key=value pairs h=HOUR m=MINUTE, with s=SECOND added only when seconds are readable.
h=10 m=53
